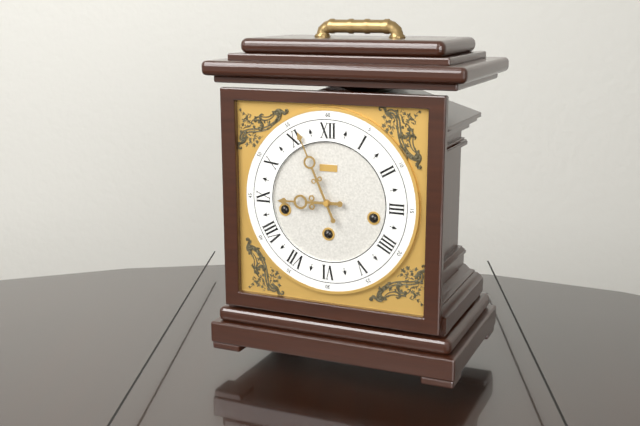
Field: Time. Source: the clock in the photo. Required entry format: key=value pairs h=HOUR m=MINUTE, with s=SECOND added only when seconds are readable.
h=8 m=56
